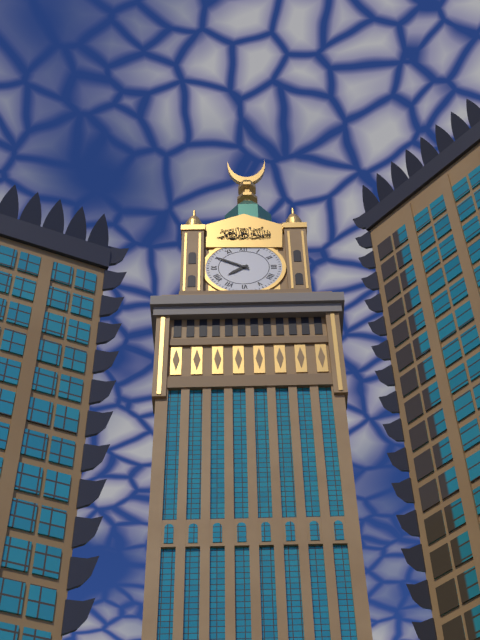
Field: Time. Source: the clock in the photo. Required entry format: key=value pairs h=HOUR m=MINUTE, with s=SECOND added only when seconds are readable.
h=7 m=50
